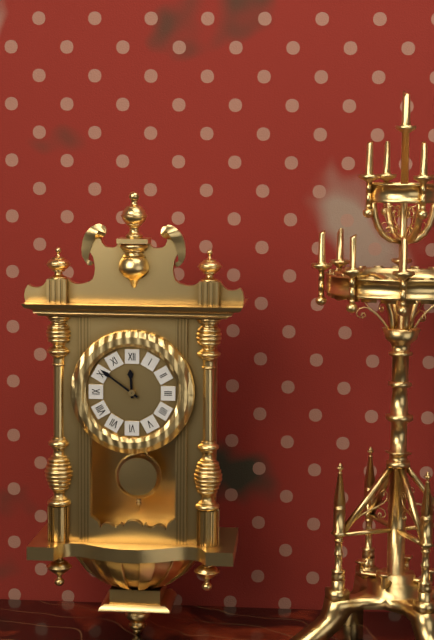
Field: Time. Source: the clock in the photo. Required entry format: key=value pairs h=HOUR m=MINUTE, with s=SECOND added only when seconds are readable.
h=11 m=51
